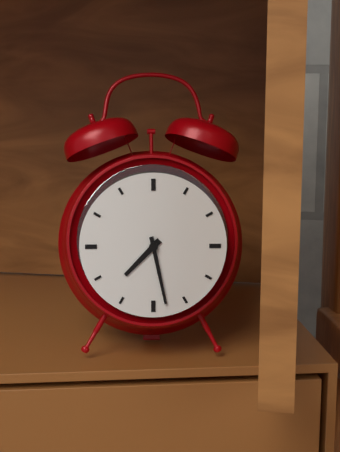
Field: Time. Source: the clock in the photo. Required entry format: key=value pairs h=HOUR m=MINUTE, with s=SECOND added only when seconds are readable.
h=7 m=28
